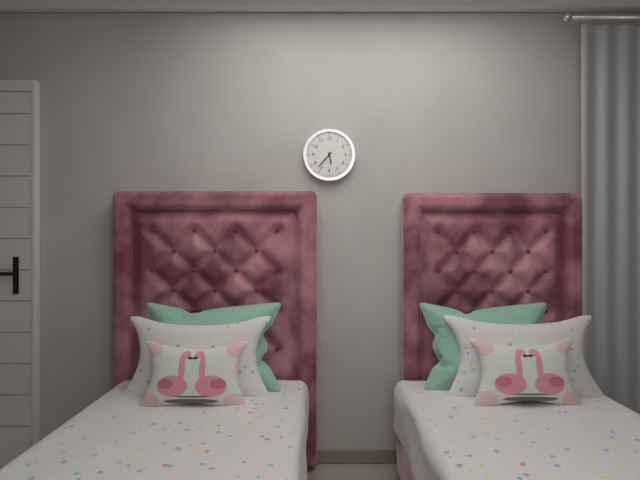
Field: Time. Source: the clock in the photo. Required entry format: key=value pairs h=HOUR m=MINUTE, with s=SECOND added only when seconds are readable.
h=5 m=37
